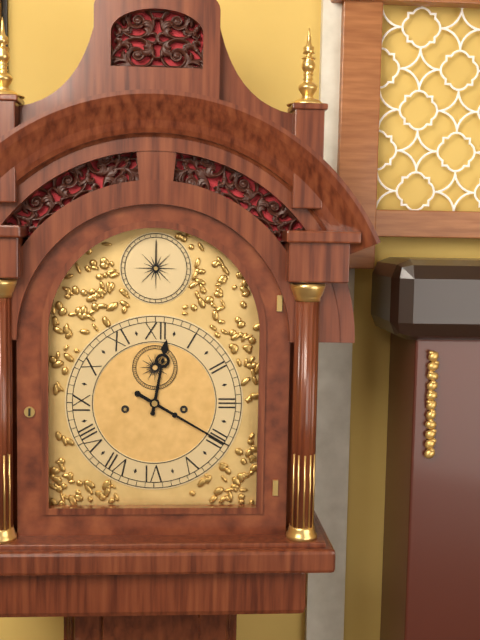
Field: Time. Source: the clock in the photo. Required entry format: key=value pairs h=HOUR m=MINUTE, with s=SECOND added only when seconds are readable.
h=12 m=20
